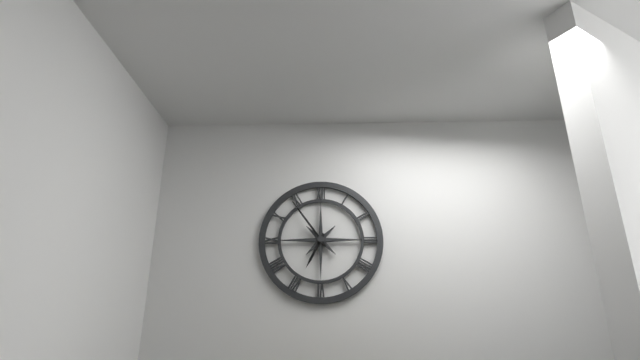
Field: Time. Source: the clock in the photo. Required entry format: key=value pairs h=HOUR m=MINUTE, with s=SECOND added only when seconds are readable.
h=6 m=54
